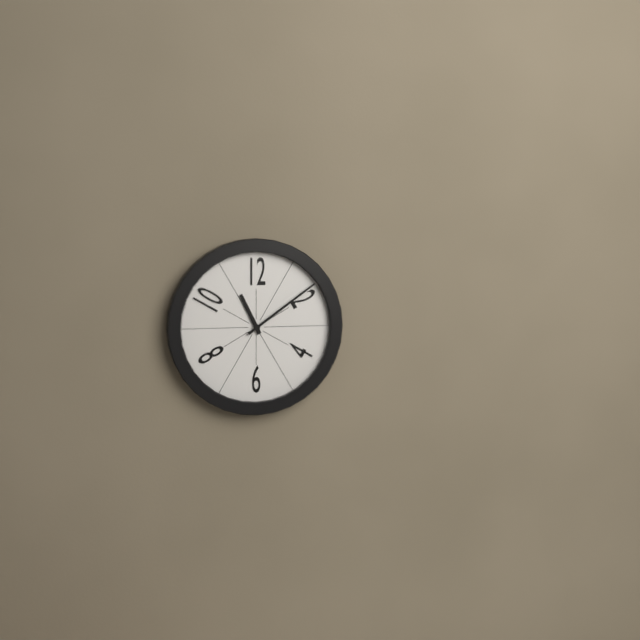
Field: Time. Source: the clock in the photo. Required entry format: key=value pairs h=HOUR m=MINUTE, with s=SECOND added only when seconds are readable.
h=11 m=9
